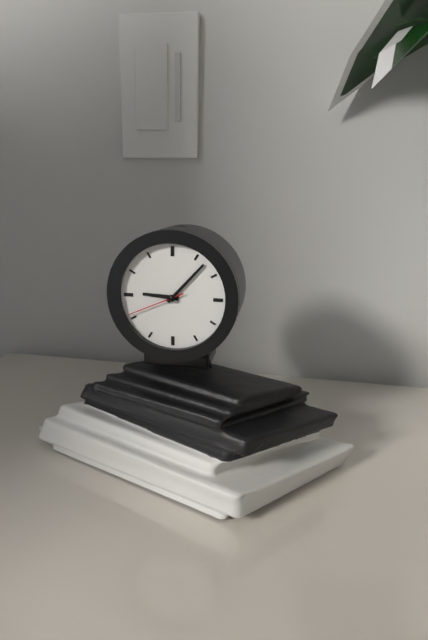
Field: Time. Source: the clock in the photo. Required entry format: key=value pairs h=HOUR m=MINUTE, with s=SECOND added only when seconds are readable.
h=9 m=7 s=41
